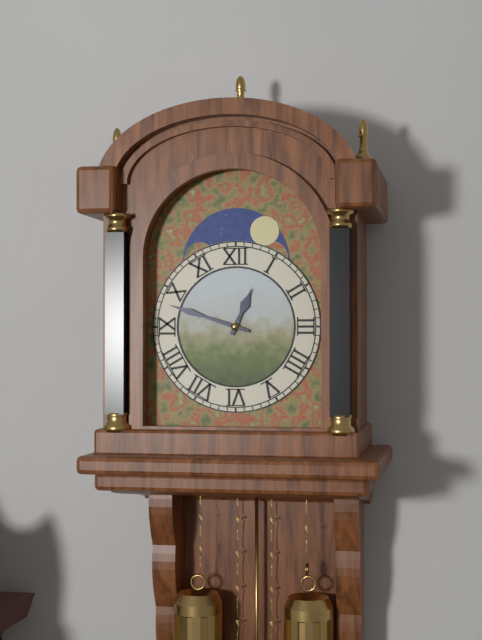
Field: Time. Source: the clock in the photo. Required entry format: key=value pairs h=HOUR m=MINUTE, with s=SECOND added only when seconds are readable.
h=12 m=48
